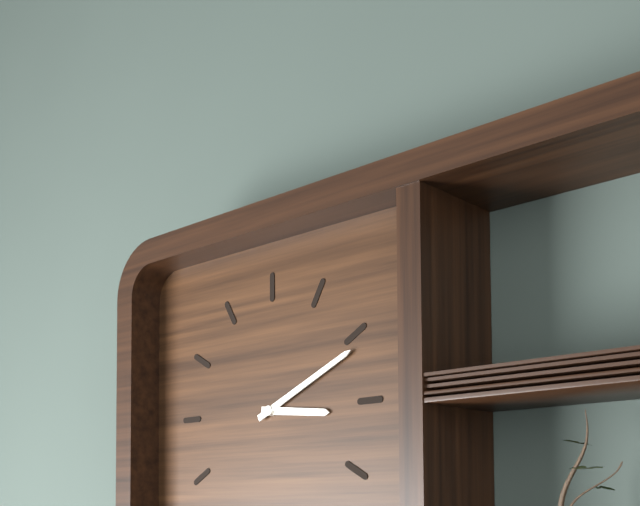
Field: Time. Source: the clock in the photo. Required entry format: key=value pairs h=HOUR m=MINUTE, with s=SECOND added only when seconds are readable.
h=3 m=11
